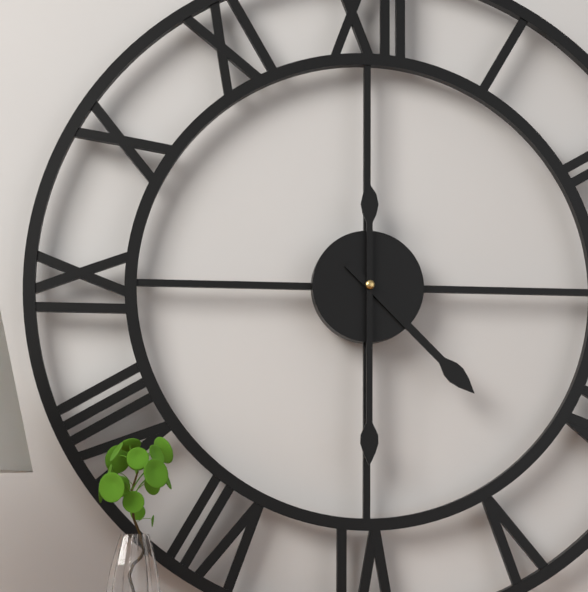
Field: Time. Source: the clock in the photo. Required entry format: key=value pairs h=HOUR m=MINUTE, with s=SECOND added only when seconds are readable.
h=4 m=30
